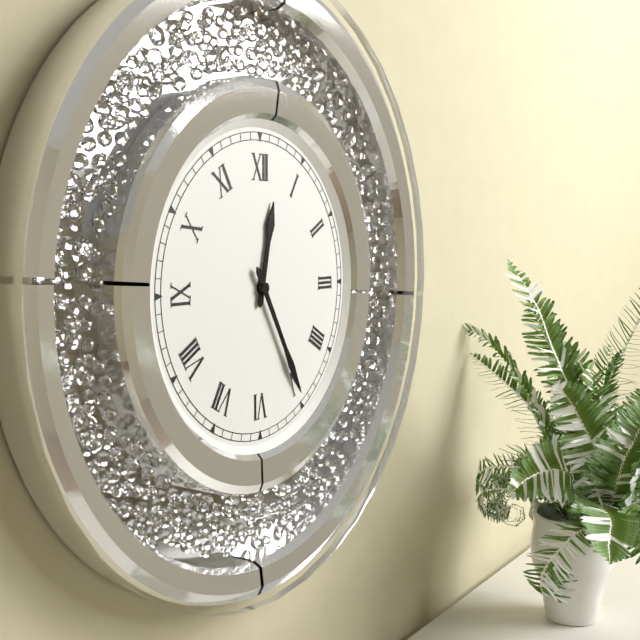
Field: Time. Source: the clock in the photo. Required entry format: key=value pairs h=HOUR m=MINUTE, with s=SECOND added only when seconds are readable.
h=12 m=25
